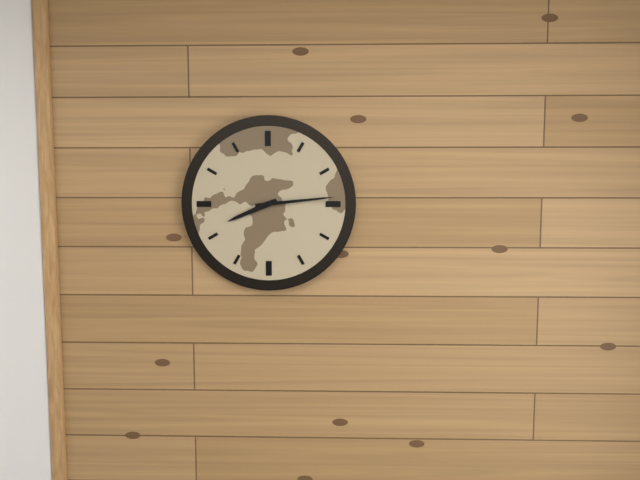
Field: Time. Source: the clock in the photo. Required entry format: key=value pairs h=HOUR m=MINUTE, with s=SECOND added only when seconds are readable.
h=8 m=14
